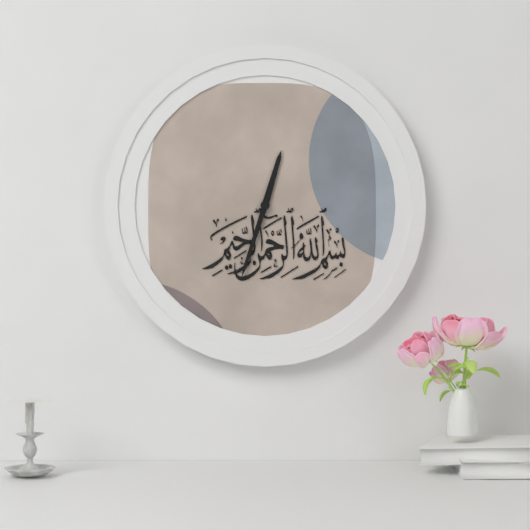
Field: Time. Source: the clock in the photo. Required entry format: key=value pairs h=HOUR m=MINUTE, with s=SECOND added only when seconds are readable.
h=12 m=33
